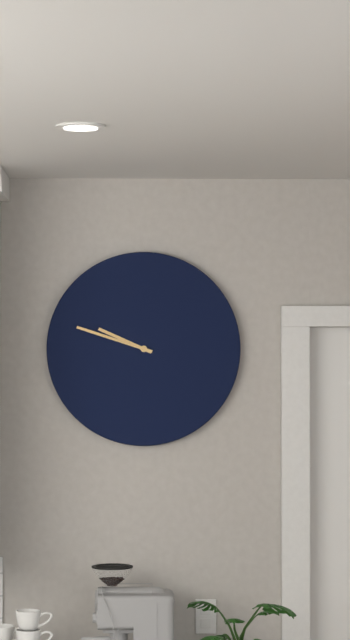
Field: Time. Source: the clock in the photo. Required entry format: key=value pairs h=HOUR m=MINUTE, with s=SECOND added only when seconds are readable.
h=9 m=48
